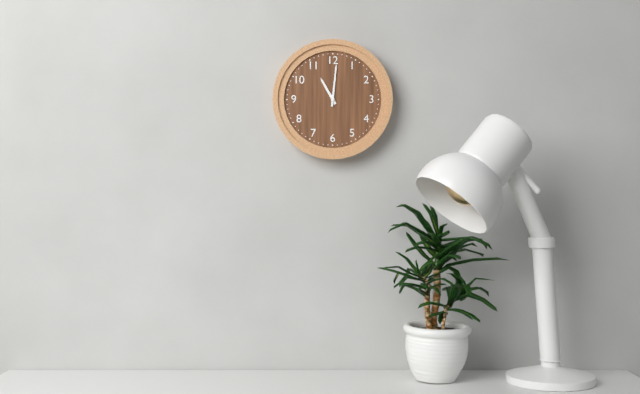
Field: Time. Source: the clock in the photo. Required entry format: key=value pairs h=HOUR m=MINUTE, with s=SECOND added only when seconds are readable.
h=11 m=1
